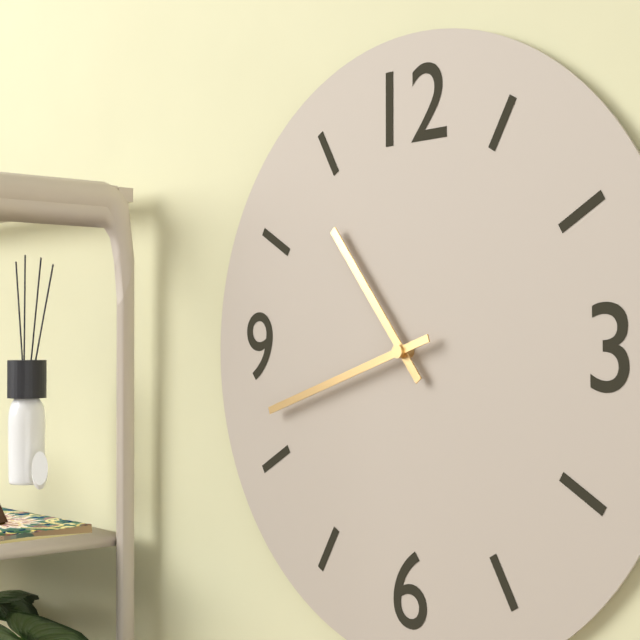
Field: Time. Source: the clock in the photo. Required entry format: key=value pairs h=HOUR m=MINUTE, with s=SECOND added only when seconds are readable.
h=10 m=42
